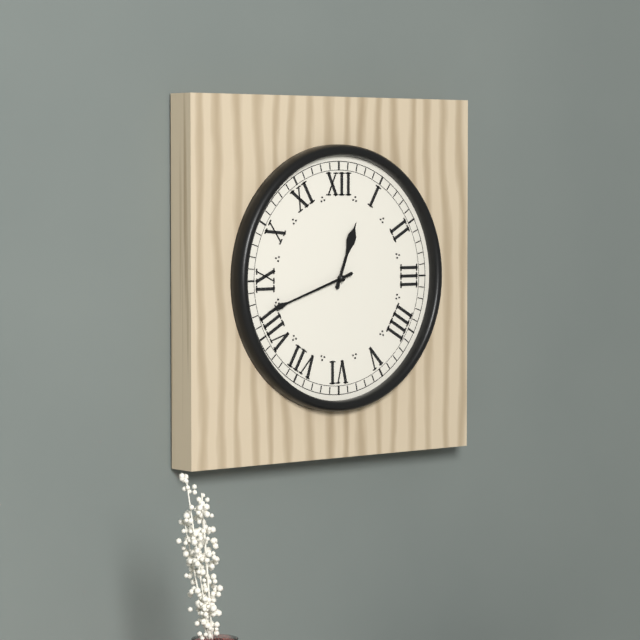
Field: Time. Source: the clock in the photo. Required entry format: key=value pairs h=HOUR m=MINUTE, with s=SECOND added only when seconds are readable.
h=12 m=42
